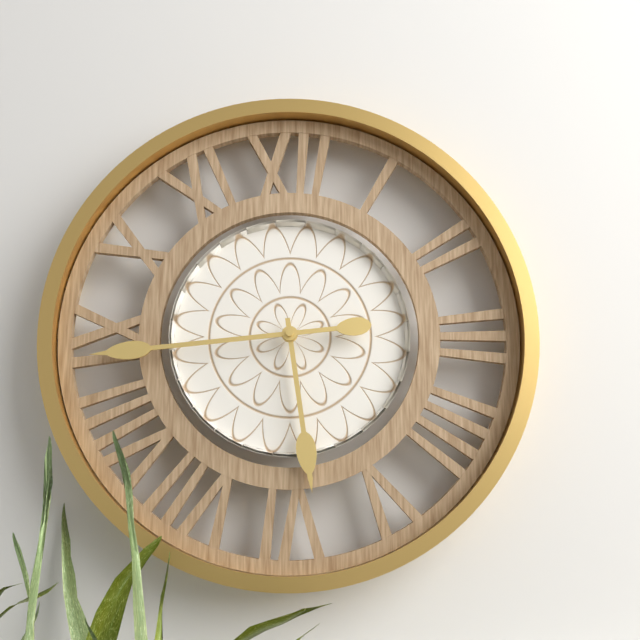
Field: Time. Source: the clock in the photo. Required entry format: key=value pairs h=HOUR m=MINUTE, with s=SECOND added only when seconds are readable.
h=5 m=44
